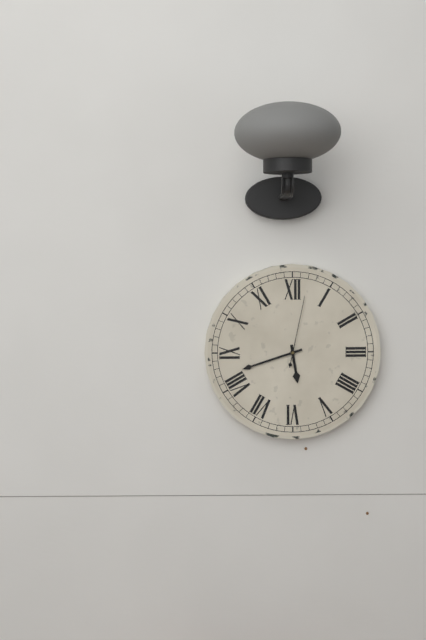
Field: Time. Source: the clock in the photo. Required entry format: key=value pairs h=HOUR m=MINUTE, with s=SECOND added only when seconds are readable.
h=5 m=42 s=2
